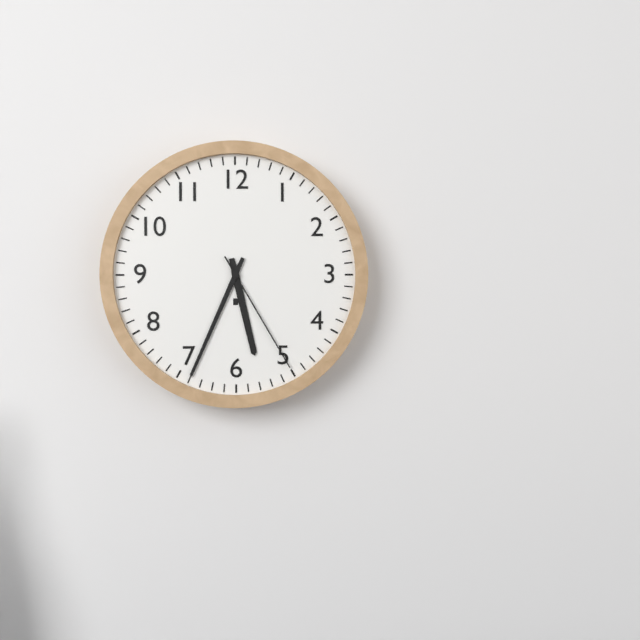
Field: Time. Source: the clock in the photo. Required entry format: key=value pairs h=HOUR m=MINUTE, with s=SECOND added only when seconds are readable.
h=5 m=34 s=25
